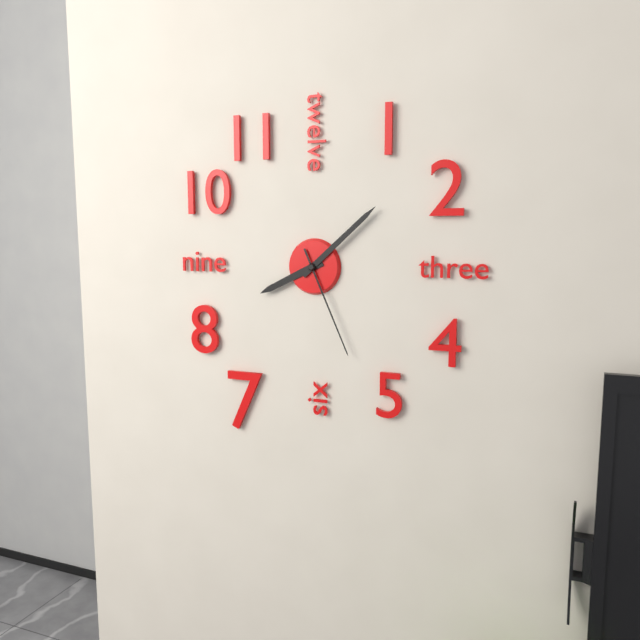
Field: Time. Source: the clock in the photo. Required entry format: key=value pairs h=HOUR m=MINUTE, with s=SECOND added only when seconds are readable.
h=8 m=8 s=26
